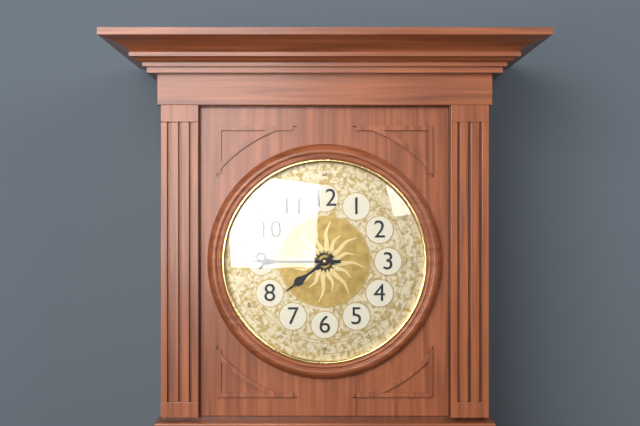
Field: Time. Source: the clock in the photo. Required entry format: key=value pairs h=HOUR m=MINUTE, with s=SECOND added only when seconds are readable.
h=7 m=45
